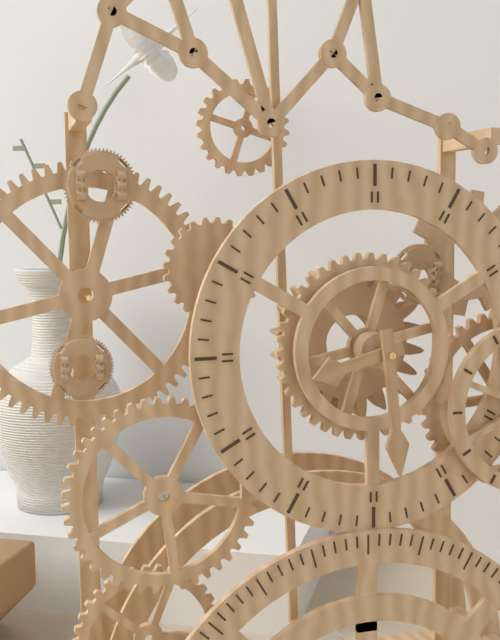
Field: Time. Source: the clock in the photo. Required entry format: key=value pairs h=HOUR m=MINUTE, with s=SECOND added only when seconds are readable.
h=8 m=29
